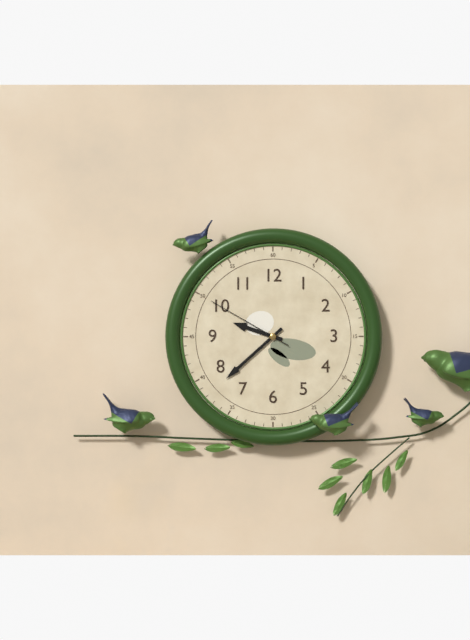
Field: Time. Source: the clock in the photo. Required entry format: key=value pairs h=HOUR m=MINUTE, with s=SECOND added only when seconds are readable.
h=9 m=38 s=50
